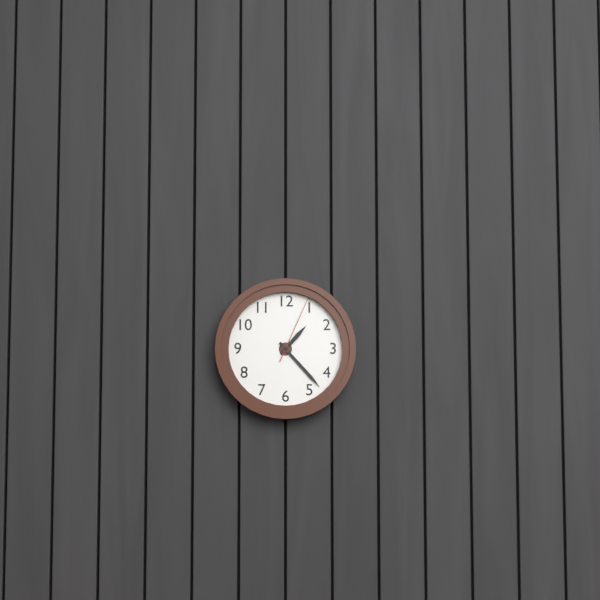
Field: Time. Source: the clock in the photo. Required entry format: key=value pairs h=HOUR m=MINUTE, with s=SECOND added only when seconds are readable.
h=1 m=23 s=4
